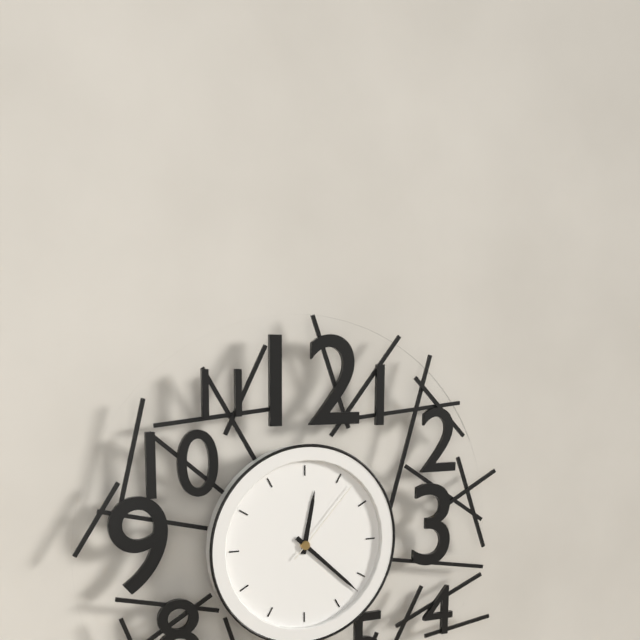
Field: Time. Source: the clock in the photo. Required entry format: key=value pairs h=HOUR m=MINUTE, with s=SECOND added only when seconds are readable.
h=12 m=22 s=7
